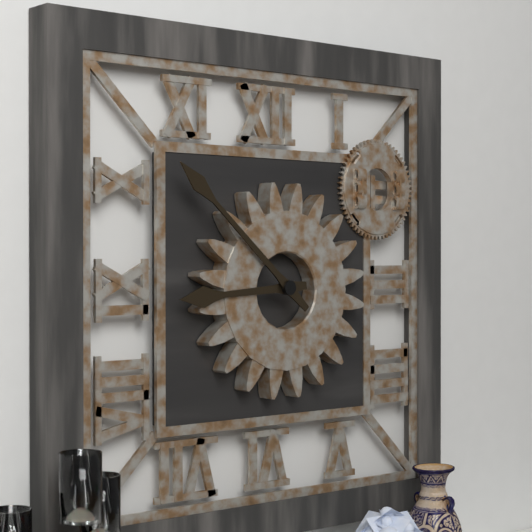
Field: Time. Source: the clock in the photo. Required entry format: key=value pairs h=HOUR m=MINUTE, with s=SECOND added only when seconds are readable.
h=8 m=52
